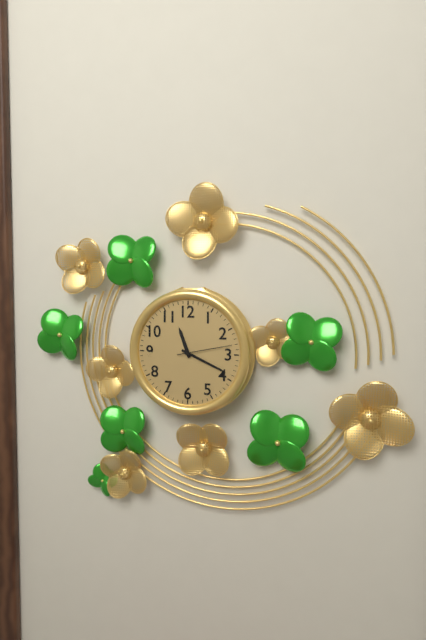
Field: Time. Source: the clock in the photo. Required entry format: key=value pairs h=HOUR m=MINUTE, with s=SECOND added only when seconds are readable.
h=11 m=19 s=13
